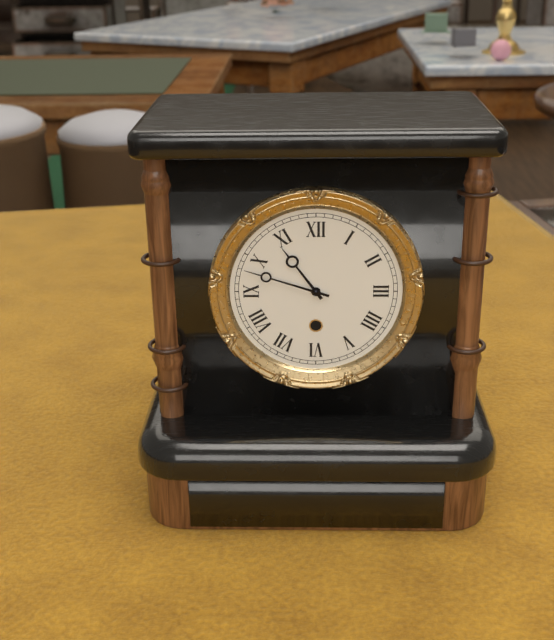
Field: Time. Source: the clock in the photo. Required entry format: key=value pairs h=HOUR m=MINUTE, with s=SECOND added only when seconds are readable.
h=10 m=48
